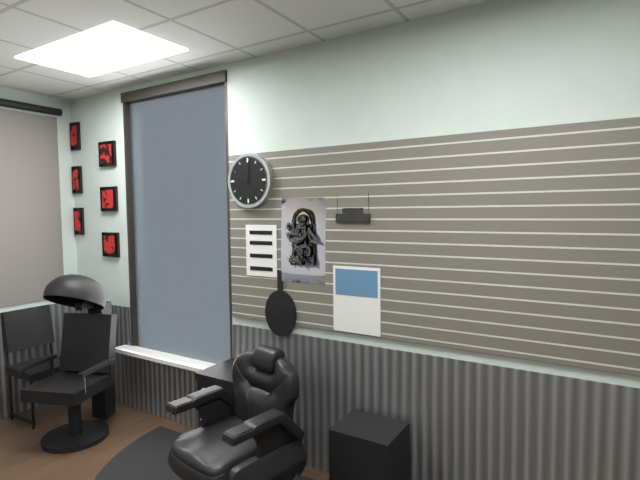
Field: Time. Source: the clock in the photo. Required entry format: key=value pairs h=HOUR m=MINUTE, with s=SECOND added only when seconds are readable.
h=9 m=1
